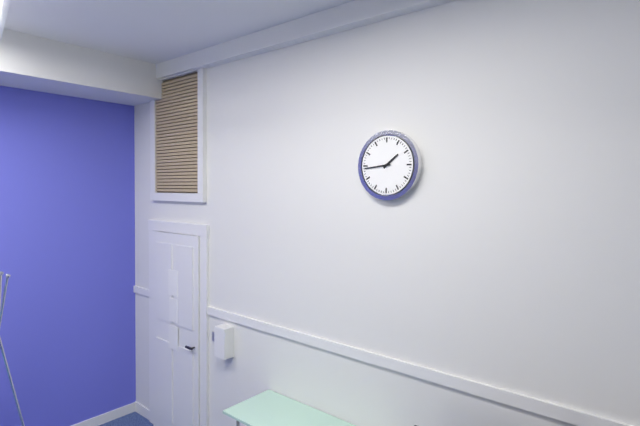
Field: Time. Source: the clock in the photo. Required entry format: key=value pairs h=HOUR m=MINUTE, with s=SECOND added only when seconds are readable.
h=1 m=44
